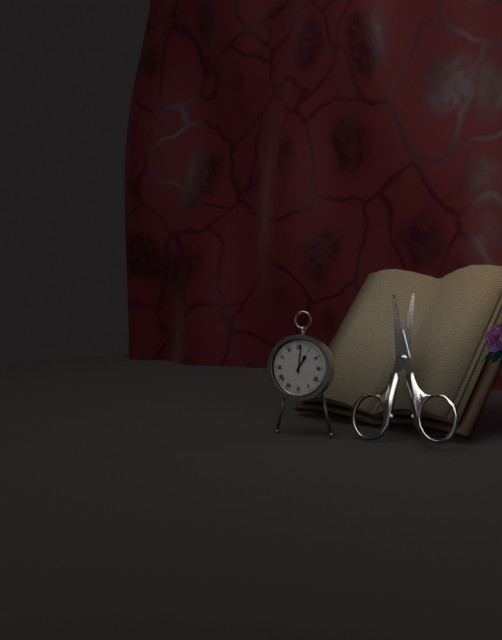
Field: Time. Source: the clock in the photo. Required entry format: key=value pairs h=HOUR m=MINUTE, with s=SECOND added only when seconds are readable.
h=1 m=1
